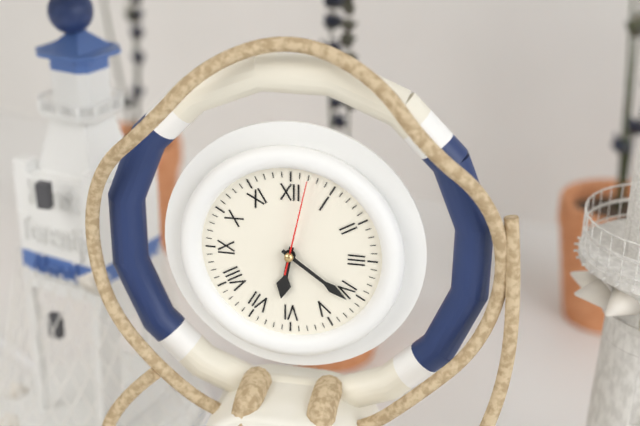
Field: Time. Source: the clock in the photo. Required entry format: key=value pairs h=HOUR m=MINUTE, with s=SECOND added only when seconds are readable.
h=6 m=21 s=2
